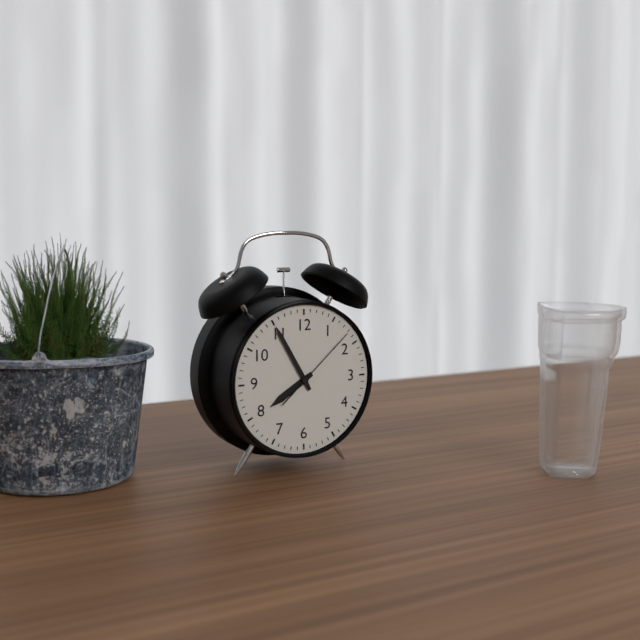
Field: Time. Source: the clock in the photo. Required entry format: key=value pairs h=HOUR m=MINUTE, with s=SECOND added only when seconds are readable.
h=7 m=55 s=8
